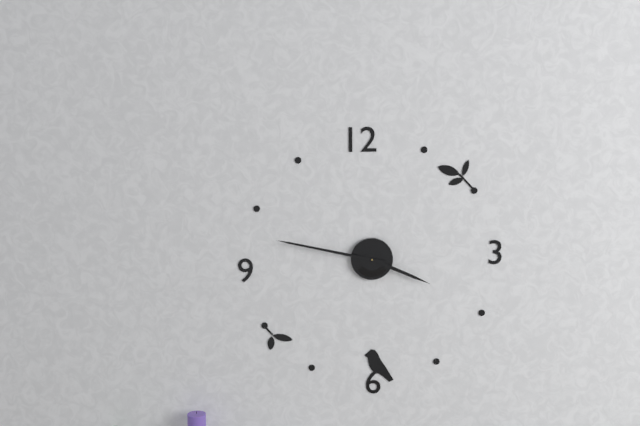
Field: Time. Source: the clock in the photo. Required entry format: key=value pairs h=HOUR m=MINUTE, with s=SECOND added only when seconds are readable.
h=3 m=47
